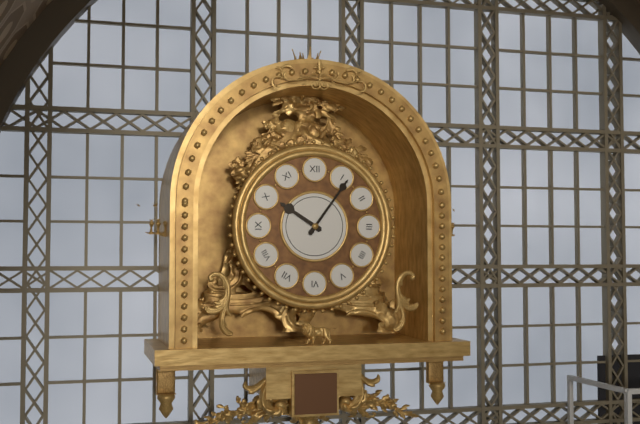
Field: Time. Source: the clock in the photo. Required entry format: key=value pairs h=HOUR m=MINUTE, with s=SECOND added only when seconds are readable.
h=10 m=6
